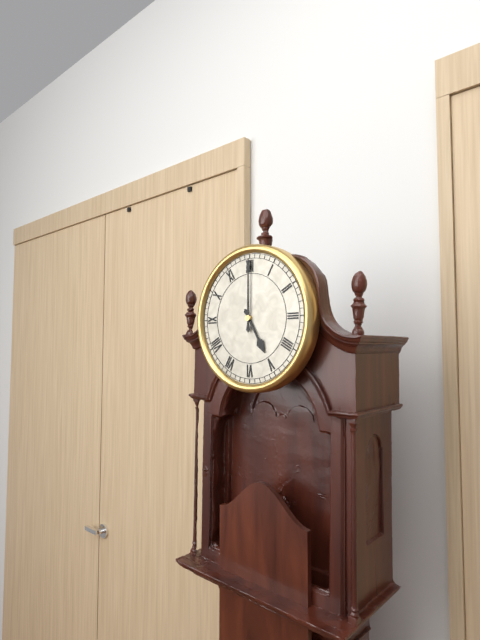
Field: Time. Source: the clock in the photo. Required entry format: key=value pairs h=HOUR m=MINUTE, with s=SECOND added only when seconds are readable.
h=5 m=0
